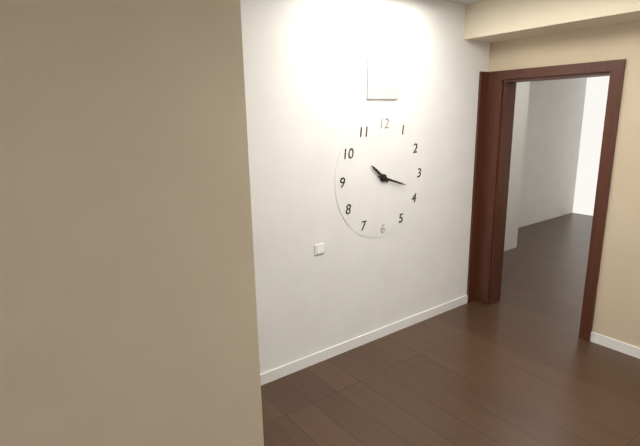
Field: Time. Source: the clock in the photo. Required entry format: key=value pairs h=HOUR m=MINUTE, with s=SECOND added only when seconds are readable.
h=10 m=18
